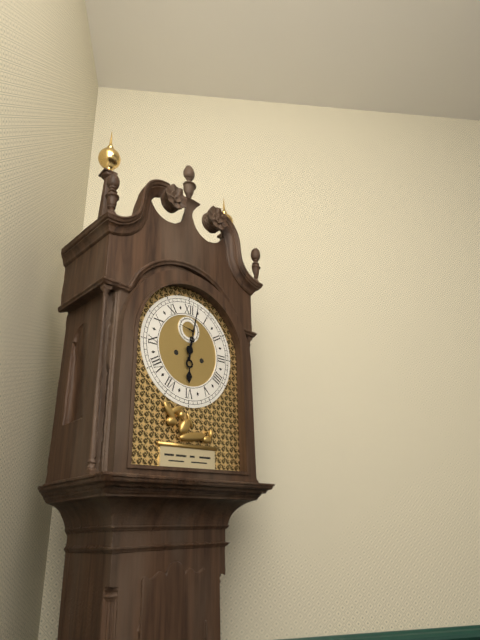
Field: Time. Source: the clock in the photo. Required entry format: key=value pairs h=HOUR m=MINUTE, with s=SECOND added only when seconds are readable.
h=6 m=2
